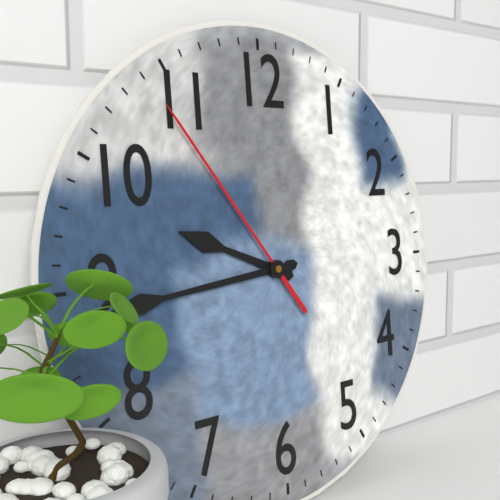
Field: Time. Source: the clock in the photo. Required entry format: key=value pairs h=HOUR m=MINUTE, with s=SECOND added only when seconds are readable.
h=9 m=44 s=54
